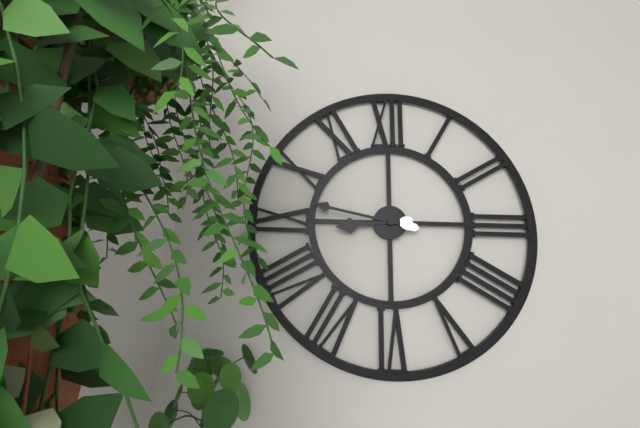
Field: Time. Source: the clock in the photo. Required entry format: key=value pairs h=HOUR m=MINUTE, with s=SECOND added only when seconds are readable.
h=8 m=47
